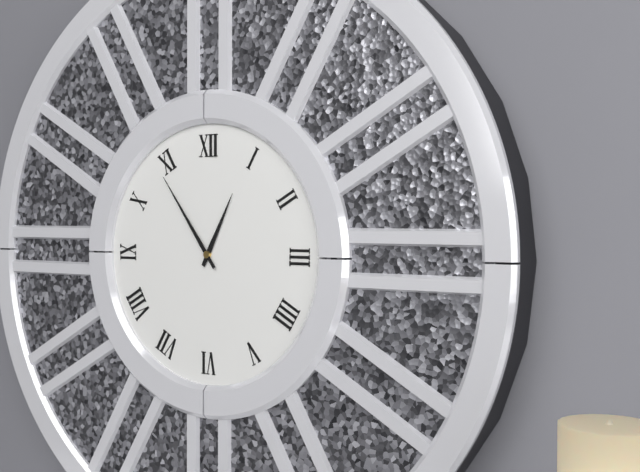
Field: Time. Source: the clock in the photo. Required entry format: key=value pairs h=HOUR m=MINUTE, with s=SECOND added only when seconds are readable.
h=12 m=54
